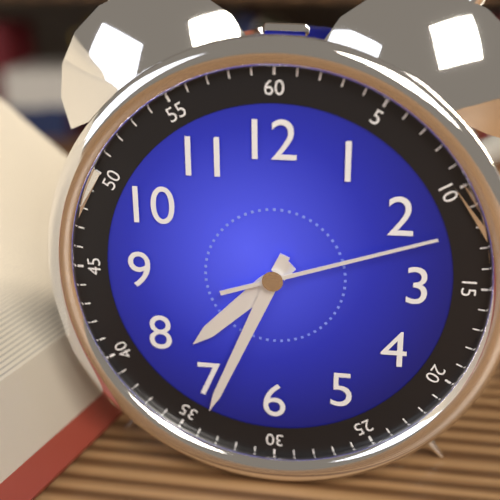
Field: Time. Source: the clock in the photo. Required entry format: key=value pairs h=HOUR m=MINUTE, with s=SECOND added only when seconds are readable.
h=7 m=34 s=12
